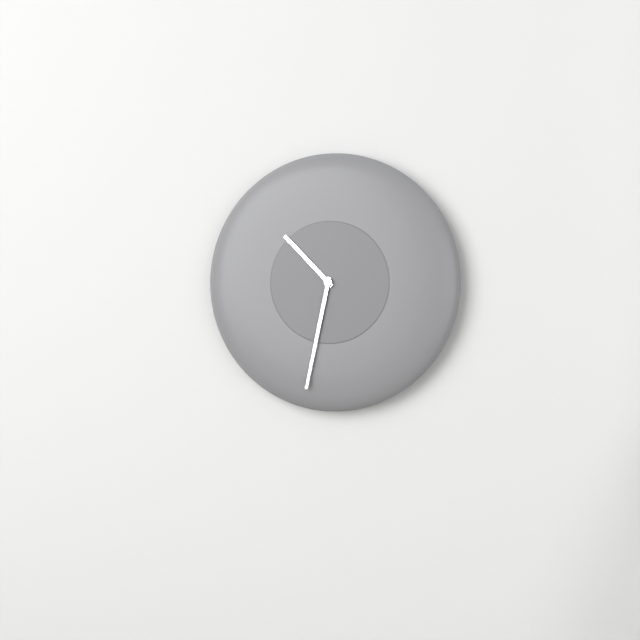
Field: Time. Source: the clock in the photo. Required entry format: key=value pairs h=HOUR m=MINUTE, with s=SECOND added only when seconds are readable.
h=10 m=32
